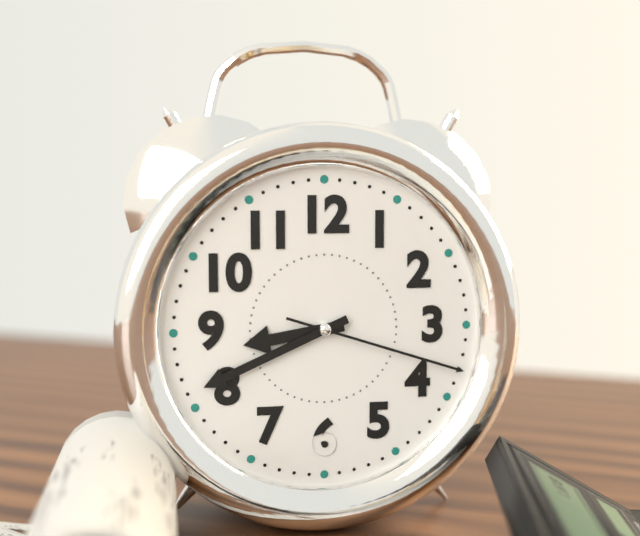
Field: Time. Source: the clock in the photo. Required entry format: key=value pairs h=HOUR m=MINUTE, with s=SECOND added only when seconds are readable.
h=8 m=41 s=18
